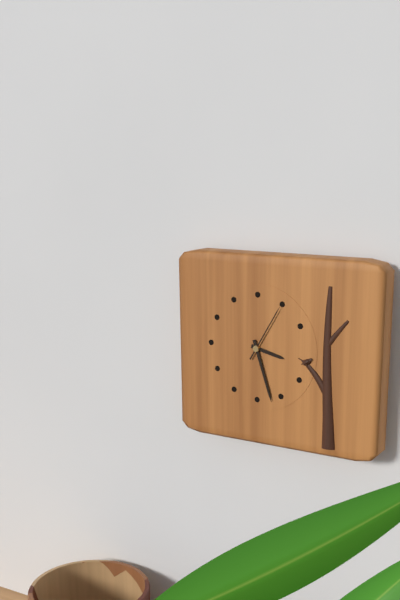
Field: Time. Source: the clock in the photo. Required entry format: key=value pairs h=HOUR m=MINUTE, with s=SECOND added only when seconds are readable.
h=3 m=27 s=5
